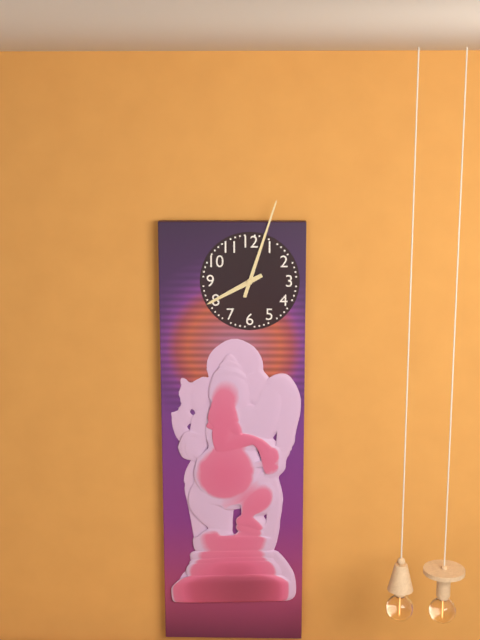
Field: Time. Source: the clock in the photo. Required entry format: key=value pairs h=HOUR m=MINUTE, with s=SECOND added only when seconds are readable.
h=8 m=3
